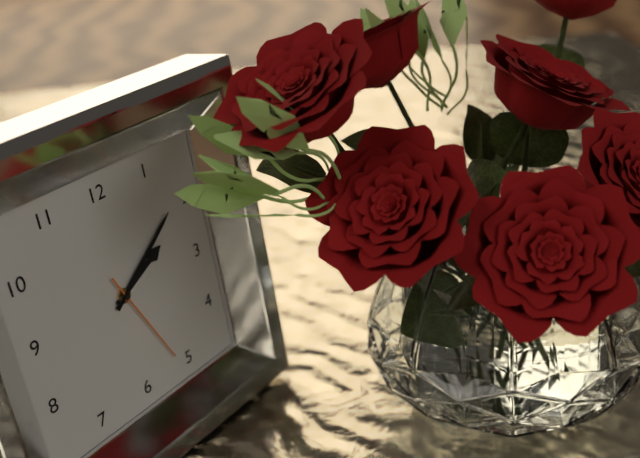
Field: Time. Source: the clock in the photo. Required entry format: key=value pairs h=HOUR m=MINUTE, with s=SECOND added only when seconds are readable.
h=2 m=9 s=26
